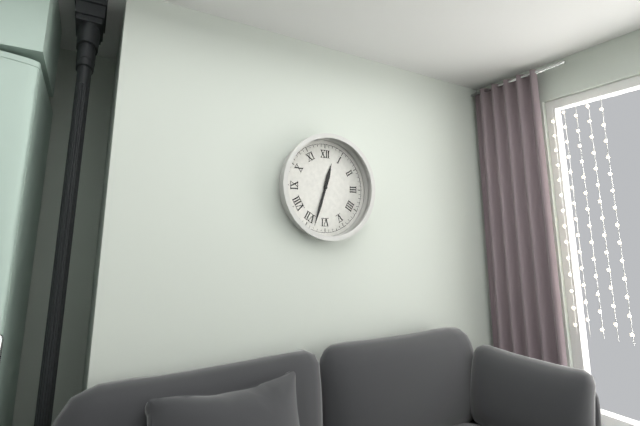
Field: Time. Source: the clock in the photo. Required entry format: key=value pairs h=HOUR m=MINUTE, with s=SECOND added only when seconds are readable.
h=12 m=33
